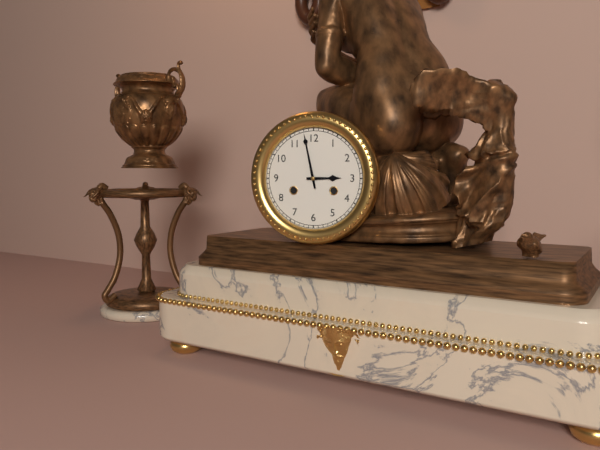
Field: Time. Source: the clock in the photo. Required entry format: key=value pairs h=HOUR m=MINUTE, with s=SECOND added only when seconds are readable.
h=2 m=58
